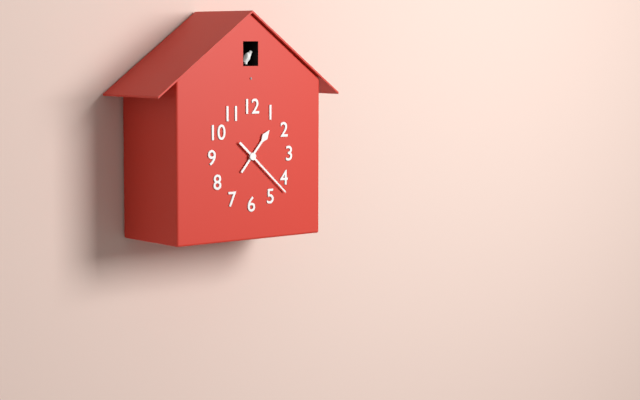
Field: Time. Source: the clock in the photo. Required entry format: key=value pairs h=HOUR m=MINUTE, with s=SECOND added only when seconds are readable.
h=1 m=22
